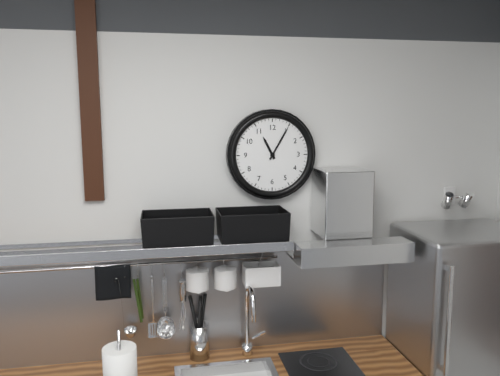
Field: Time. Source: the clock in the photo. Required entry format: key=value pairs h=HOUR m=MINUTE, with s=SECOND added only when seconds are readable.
h=11 m=5
